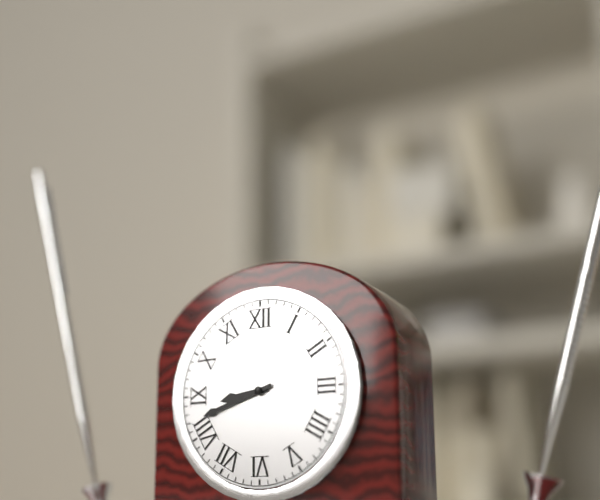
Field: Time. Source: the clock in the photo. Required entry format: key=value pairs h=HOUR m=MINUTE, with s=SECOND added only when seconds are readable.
h=8 m=42
